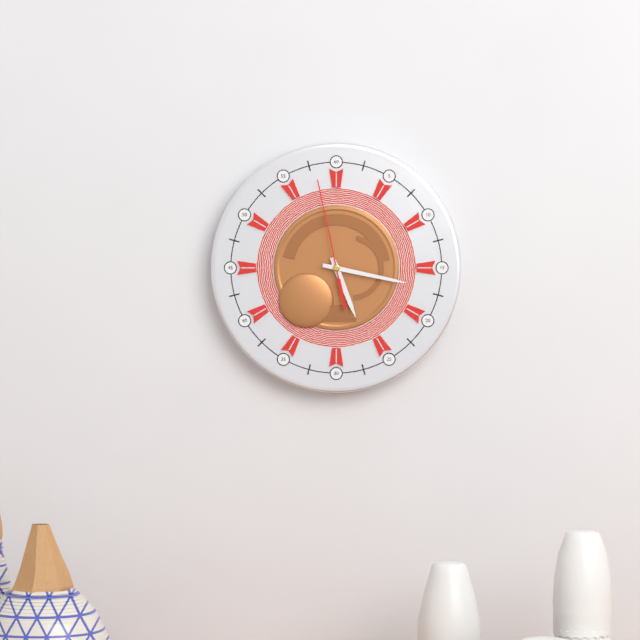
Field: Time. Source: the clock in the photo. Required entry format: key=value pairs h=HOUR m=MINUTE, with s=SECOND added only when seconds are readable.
h=5 m=17 s=58
